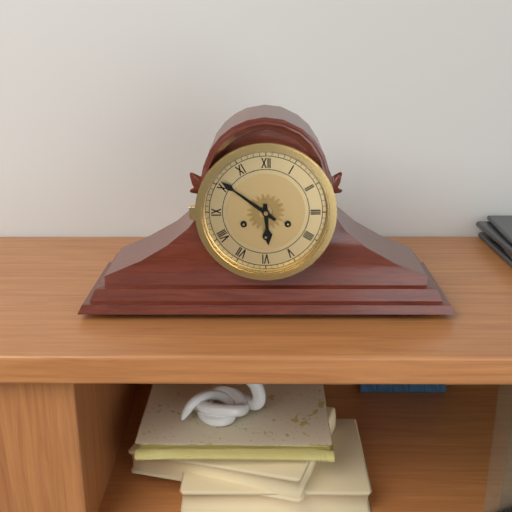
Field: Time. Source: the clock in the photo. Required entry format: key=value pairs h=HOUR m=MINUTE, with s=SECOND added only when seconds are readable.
h=5 m=51
